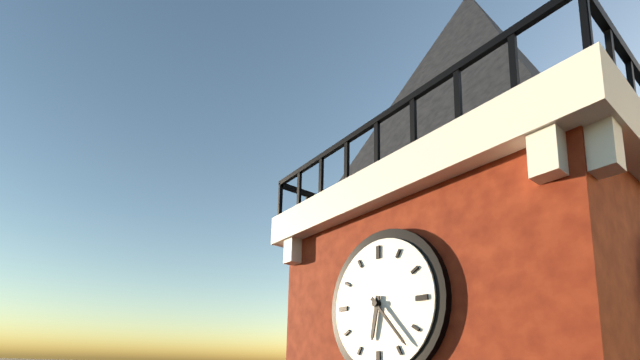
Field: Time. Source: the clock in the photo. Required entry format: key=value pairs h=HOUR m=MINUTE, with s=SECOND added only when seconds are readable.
h=6 m=23
